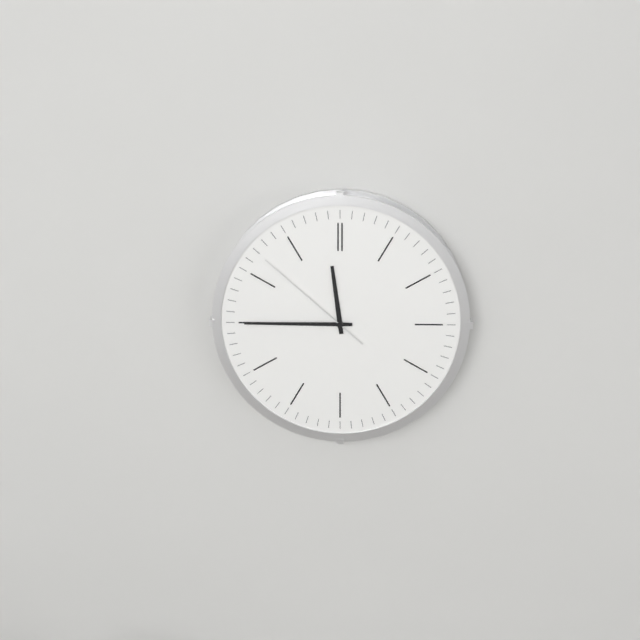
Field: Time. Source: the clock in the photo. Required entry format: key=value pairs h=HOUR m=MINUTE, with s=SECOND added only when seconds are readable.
h=11 m=45 s=52
